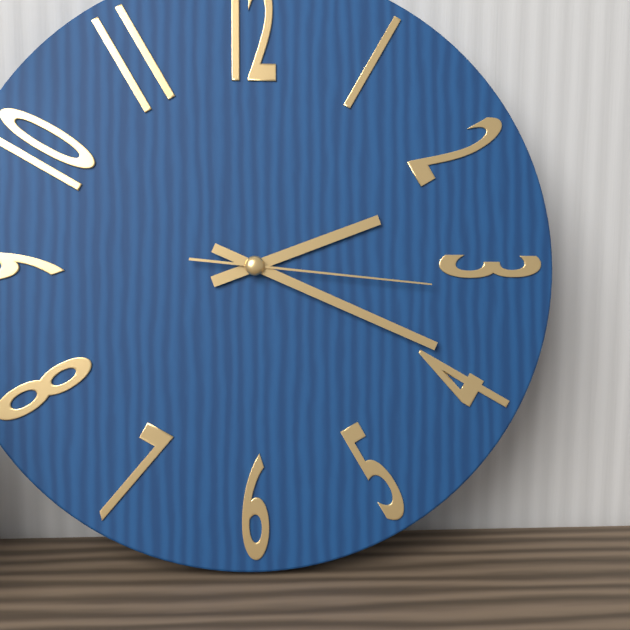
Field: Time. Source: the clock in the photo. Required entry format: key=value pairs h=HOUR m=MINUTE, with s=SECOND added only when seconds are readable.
h=2 m=19 s=16
